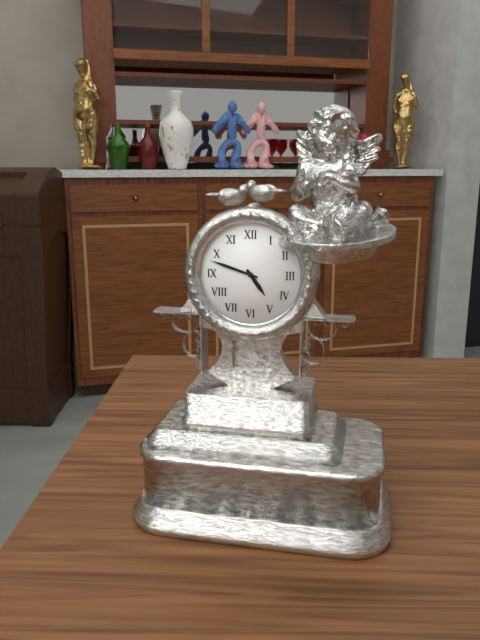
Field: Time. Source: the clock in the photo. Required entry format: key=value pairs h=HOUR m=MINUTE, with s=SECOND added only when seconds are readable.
h=4 m=48
